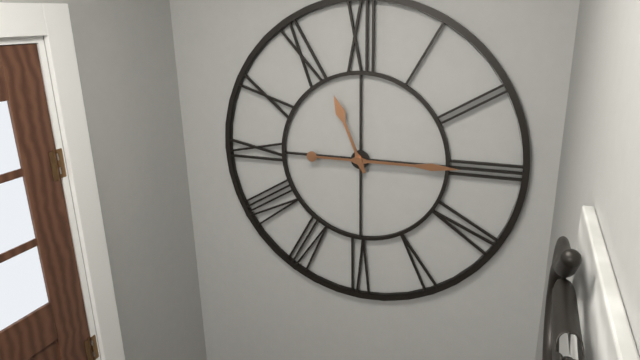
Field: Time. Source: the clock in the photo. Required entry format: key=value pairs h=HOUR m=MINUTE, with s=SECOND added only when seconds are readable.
h=11 m=15
